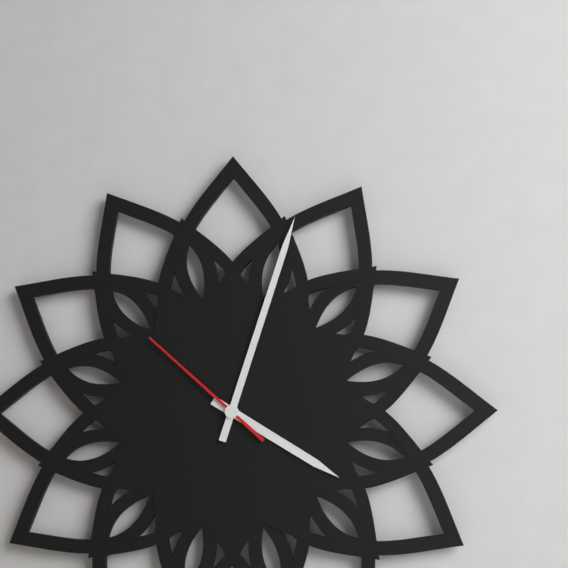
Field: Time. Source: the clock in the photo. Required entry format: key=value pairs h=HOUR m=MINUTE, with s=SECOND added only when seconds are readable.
h=4 m=3 s=52
